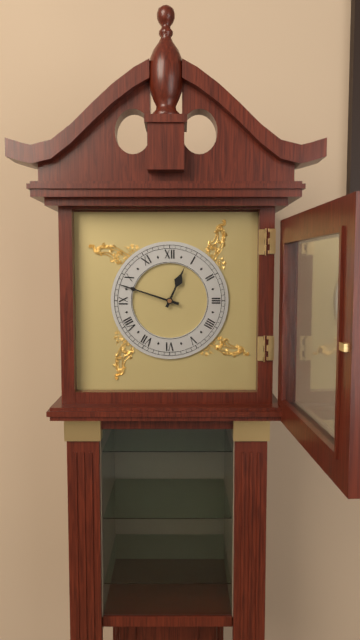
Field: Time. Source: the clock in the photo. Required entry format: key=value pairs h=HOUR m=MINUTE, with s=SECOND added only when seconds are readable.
h=12 m=48
